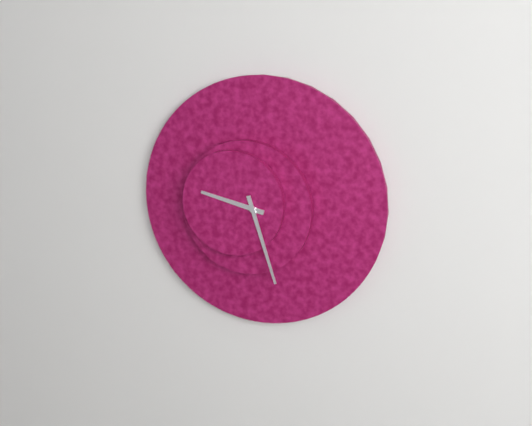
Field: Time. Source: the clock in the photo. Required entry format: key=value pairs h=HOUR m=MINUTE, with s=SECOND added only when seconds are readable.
h=9 m=27
